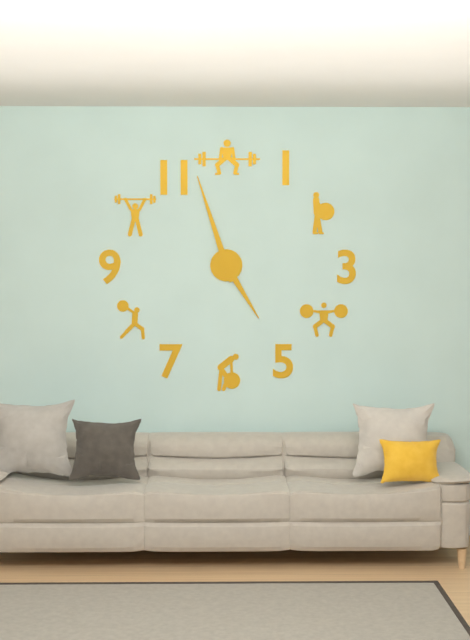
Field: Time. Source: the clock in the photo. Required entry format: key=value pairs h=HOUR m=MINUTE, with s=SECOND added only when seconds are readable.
h=4 m=57
